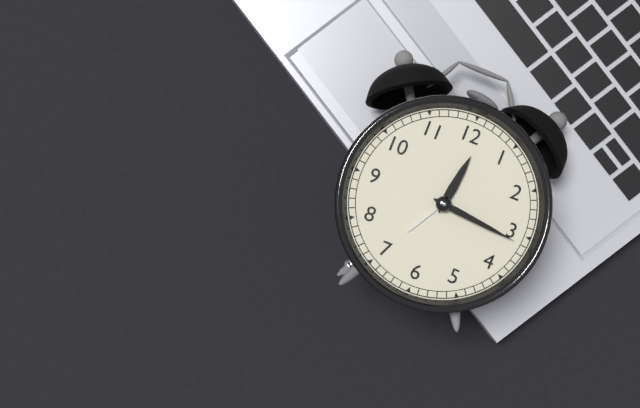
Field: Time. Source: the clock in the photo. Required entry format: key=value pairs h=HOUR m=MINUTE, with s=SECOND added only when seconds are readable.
h=12 m=16
